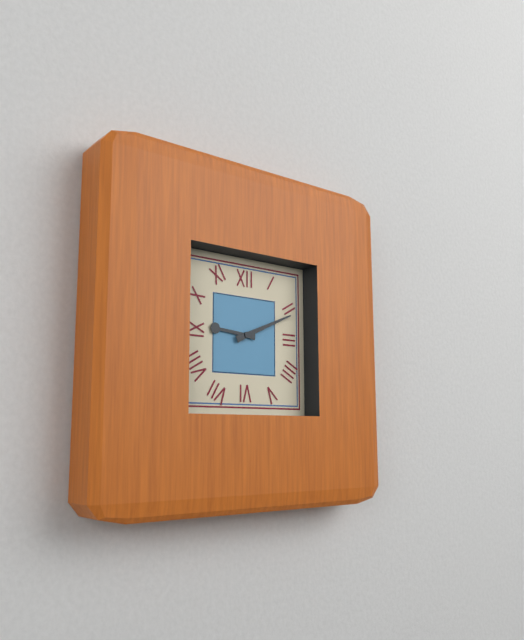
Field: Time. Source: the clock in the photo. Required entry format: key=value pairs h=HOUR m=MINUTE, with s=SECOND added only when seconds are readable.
h=9 m=11
